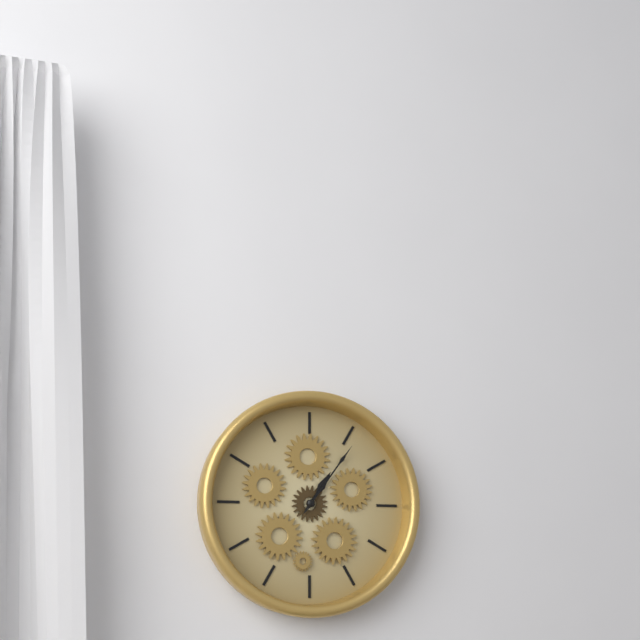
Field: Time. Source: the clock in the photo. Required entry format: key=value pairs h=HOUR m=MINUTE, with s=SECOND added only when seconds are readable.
h=1 m=6
